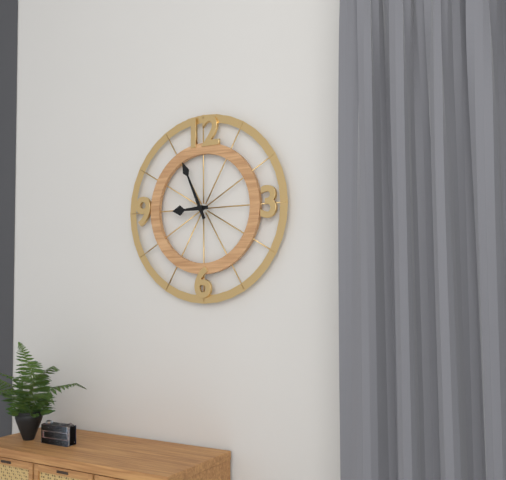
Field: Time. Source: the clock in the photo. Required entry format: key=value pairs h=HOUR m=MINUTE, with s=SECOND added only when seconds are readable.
h=8 m=56
